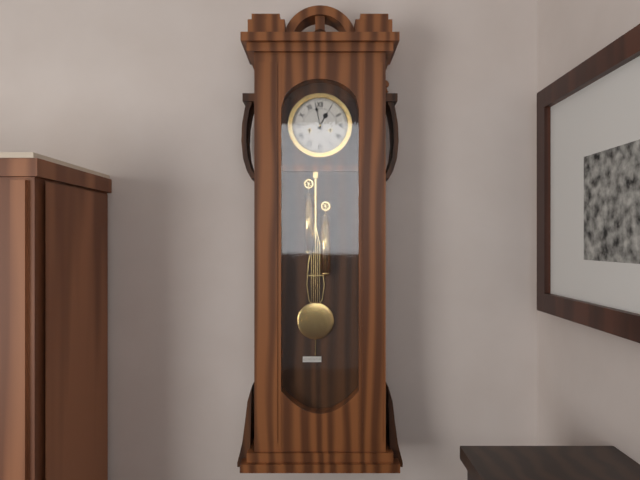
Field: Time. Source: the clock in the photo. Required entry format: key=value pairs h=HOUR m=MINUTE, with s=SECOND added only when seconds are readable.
h=12 m=58
